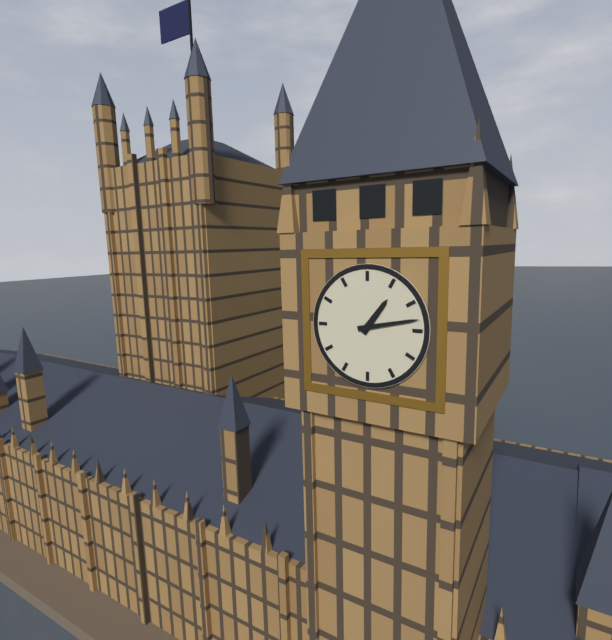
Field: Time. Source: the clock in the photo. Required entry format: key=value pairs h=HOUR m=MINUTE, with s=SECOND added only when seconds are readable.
h=1 m=13
